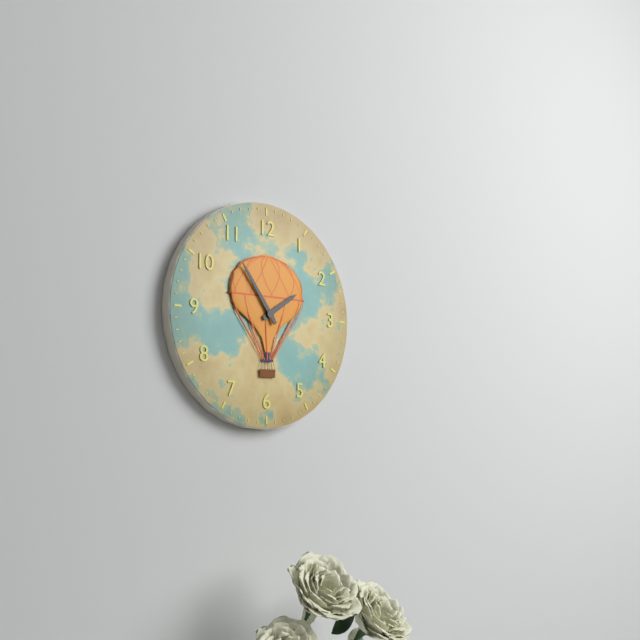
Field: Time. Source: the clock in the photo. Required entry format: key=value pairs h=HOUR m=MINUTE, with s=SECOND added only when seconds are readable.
h=1 m=54
